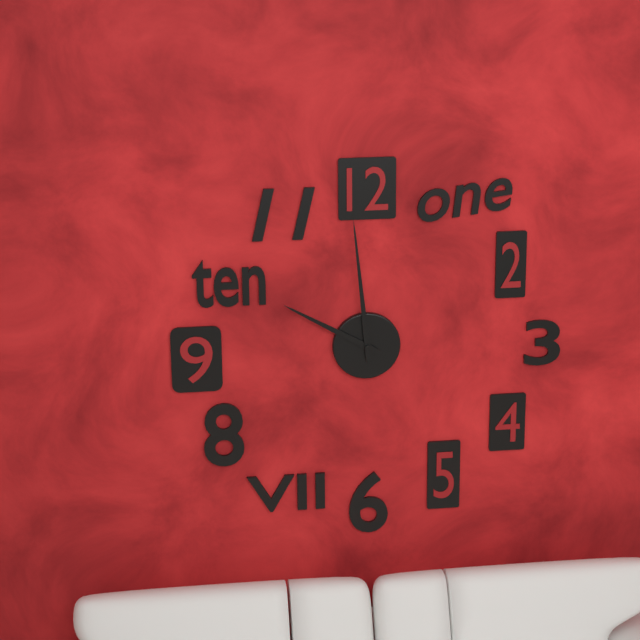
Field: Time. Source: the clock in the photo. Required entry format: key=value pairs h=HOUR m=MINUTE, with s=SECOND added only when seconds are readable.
h=9 m=59
